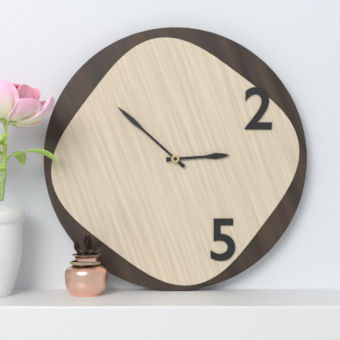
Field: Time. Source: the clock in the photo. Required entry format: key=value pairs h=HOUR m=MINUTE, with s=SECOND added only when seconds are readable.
h=2 m=52
